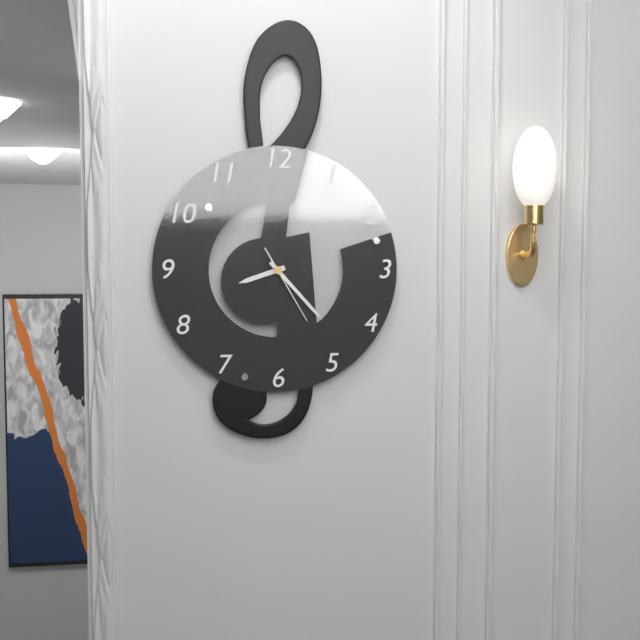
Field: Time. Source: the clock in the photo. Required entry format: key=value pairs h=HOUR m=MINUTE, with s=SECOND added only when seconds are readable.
h=8 m=23 s=25
